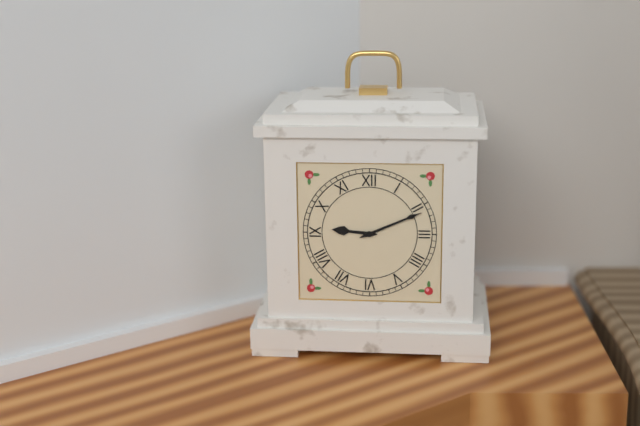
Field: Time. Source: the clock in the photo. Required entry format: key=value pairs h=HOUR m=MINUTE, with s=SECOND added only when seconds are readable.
h=9 m=11
